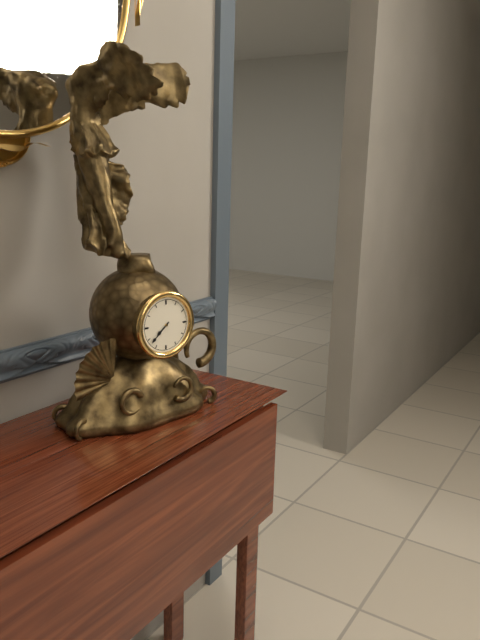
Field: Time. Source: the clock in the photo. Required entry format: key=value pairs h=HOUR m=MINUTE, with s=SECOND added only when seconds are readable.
h=7 m=38
